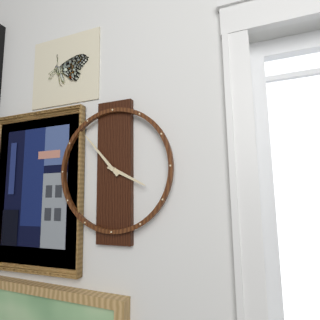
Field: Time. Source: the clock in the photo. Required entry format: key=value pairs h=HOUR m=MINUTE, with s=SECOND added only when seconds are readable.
h=3 m=53
